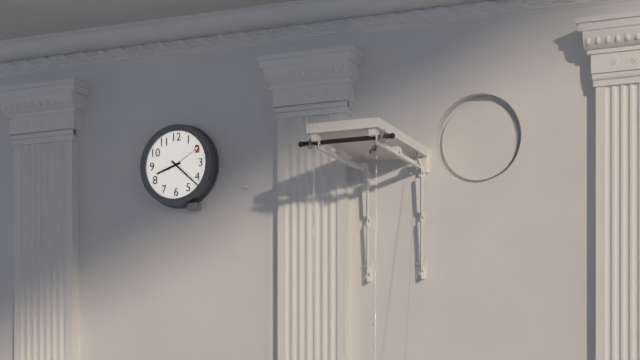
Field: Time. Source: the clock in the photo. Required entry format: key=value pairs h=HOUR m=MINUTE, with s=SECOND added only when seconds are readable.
h=8 m=22
